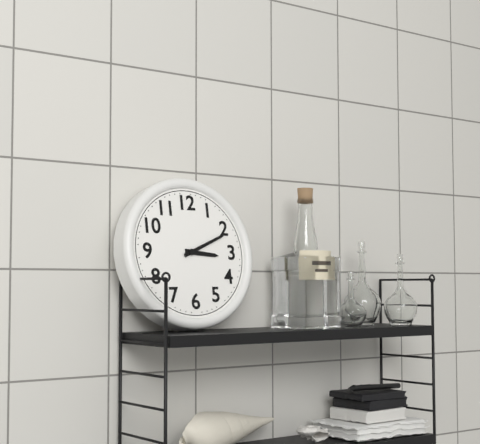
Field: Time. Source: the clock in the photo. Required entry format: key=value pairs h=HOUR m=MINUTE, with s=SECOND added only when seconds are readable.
h=3 m=11
